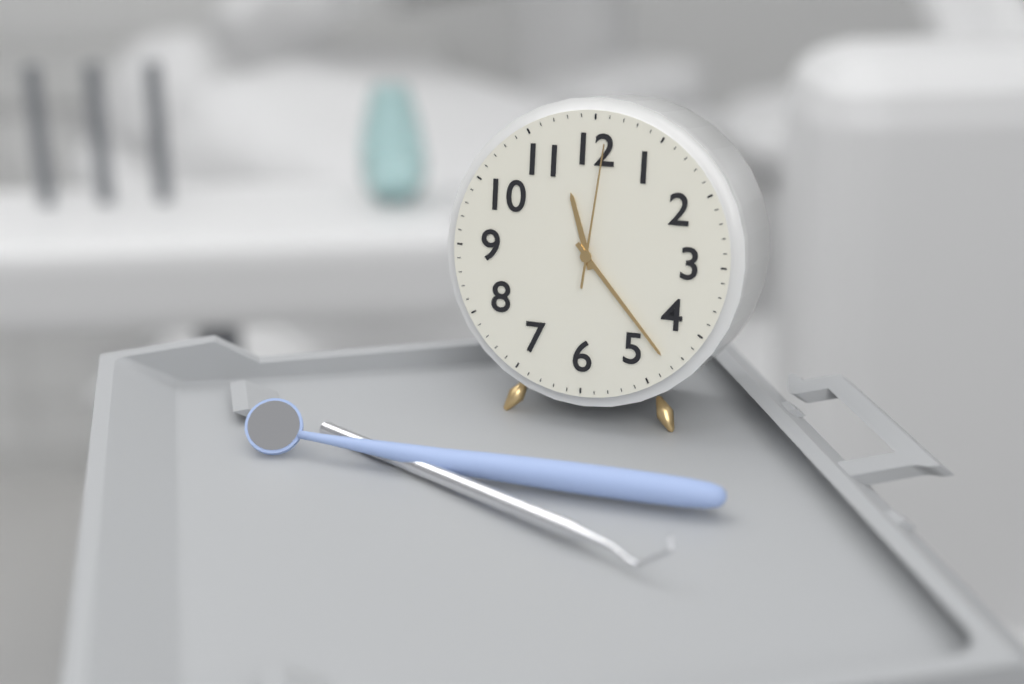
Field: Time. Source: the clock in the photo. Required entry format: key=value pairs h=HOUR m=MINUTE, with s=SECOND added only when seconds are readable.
h=11 m=23 s=1
